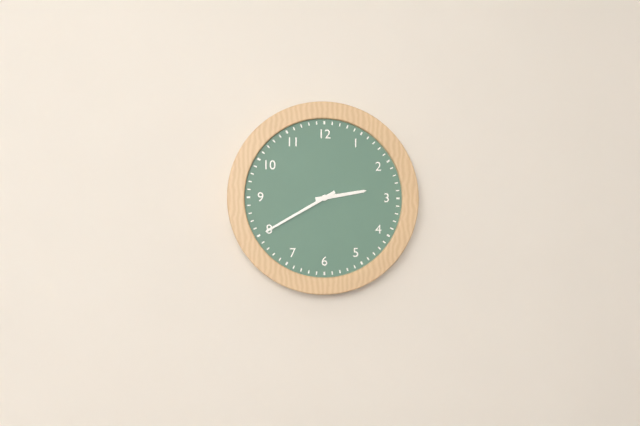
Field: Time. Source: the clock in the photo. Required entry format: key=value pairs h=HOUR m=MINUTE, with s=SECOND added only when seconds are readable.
h=2 m=40
